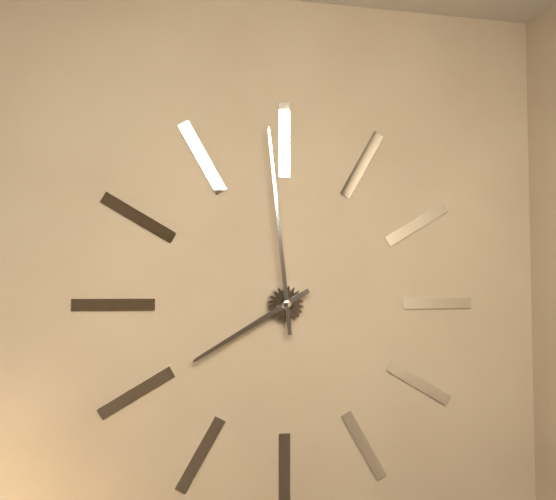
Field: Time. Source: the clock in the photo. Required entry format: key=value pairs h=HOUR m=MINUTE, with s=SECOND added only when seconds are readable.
h=7 m=59
